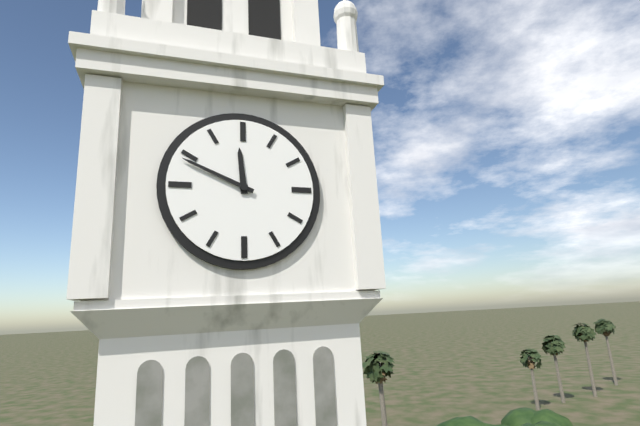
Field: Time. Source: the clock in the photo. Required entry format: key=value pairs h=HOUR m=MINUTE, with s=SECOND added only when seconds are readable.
h=11 m=49
